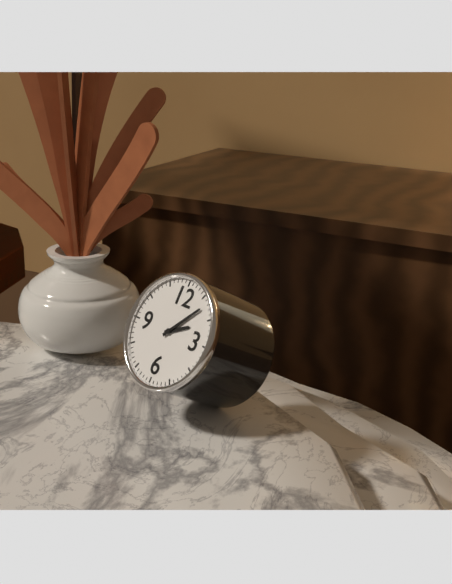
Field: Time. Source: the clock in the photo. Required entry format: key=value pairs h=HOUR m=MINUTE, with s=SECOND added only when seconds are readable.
h=2 m=7
